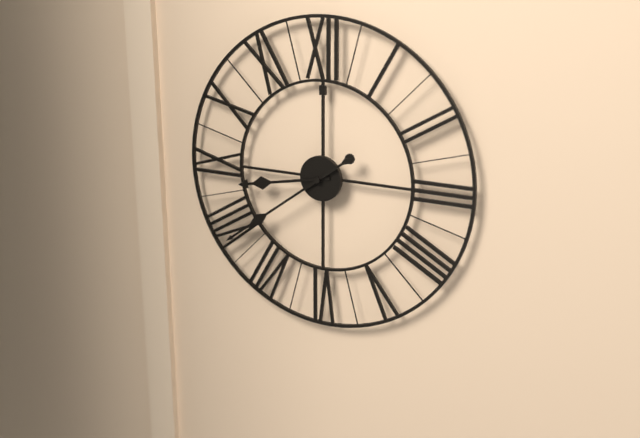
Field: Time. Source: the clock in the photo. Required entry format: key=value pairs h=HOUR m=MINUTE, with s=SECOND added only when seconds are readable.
h=8 m=39
